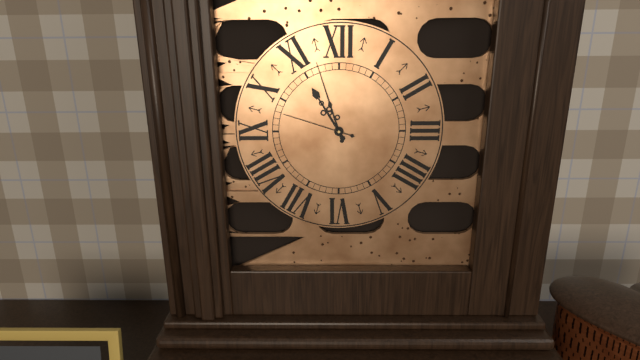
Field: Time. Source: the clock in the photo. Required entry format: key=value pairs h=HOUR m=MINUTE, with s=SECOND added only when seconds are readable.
h=10 m=57 s=48
